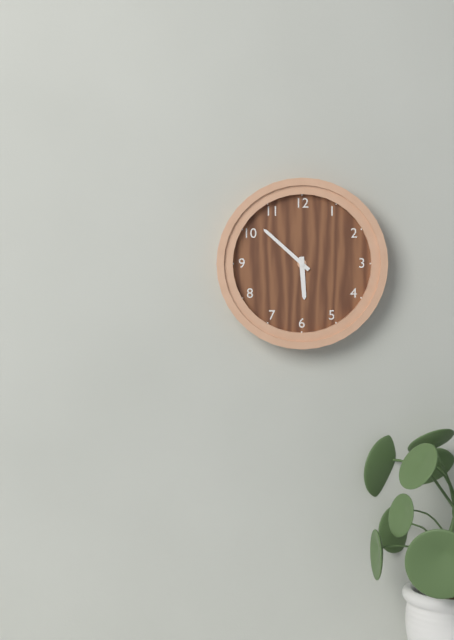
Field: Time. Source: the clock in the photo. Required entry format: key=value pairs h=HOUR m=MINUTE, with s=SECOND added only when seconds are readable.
h=5 m=52
